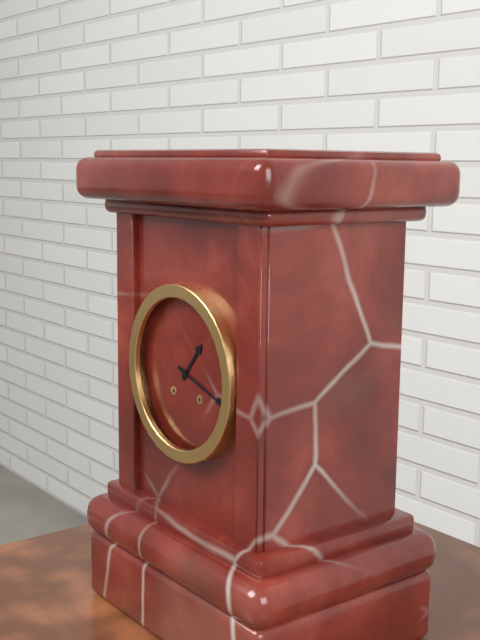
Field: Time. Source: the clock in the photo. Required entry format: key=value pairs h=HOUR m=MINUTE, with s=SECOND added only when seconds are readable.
h=1 m=18
